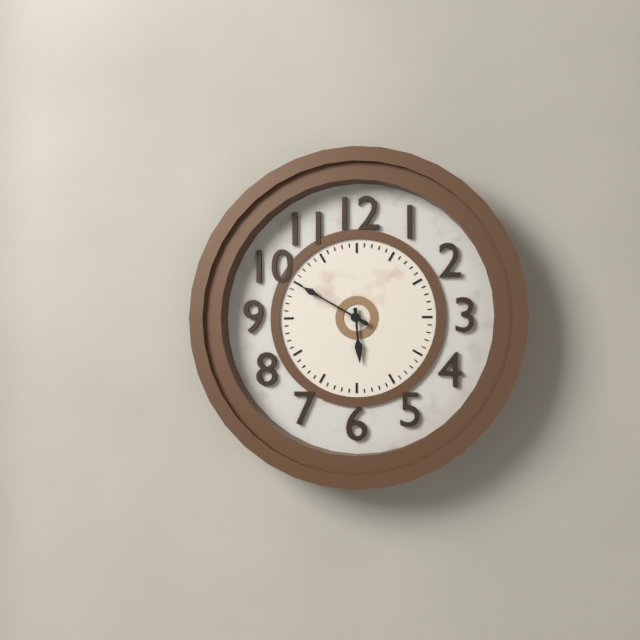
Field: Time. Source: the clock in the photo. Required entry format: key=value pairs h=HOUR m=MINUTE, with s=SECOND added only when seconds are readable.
h=5 m=50
